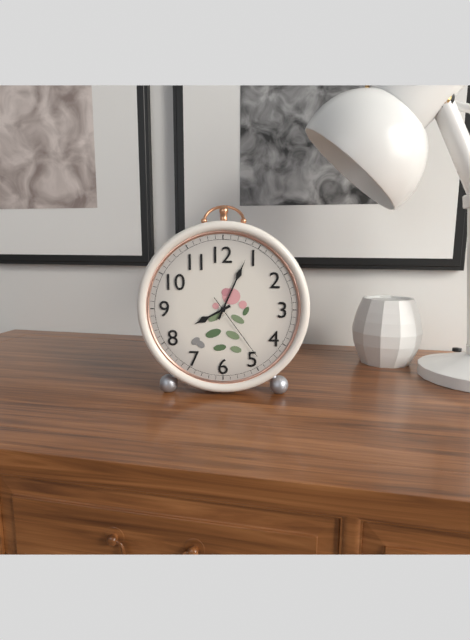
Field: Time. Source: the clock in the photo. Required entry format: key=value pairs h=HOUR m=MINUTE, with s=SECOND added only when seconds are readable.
h=8 m=4 s=24
